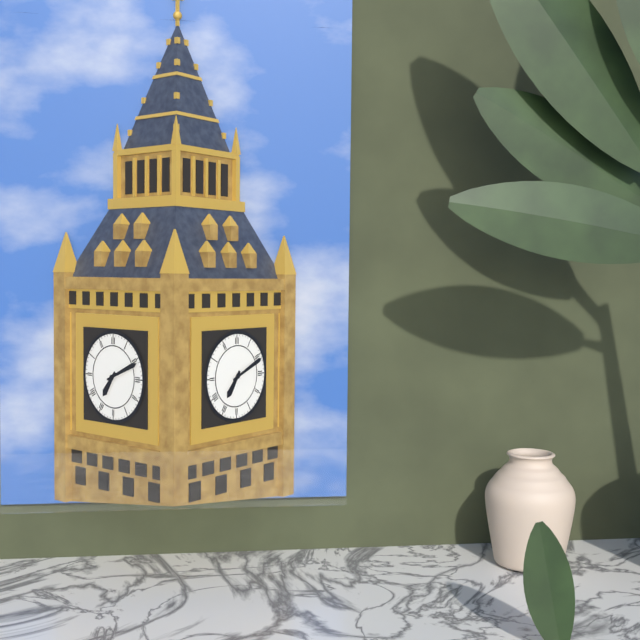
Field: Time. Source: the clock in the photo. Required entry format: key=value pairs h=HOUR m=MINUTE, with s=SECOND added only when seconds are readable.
h=7 m=11
